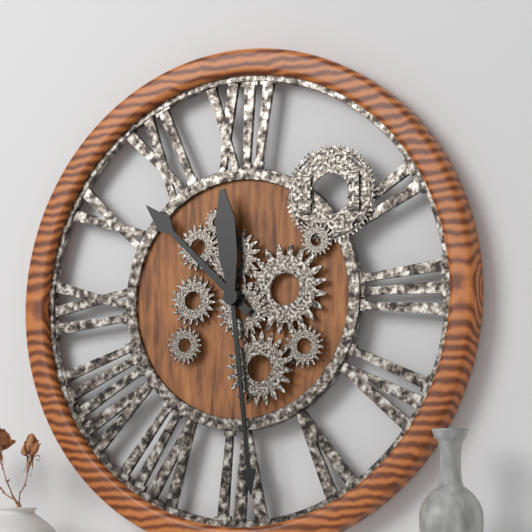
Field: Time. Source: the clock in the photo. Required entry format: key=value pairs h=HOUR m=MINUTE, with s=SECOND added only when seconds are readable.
h=10 m=29
